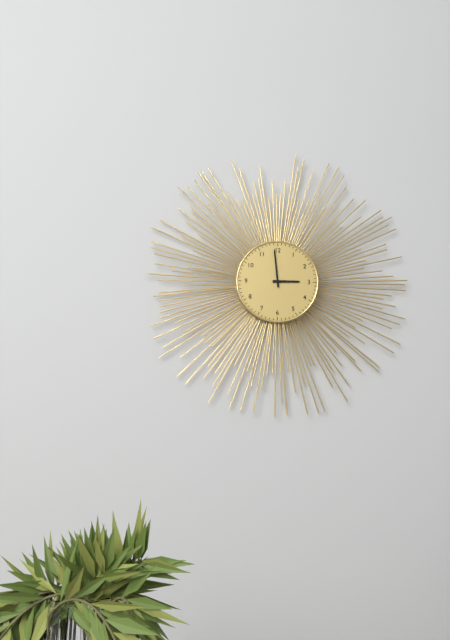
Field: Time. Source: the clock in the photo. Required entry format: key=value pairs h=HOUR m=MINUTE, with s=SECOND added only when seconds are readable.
h=2 m=59
